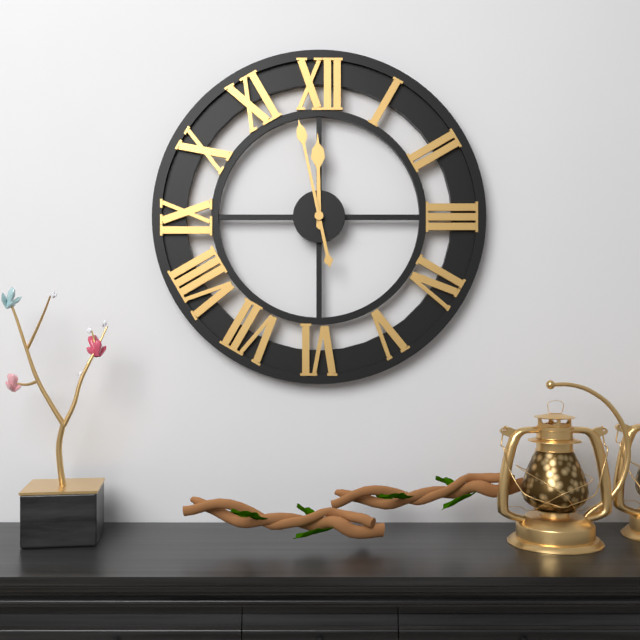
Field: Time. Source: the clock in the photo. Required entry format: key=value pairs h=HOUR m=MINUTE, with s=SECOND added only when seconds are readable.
h=11 m=58
